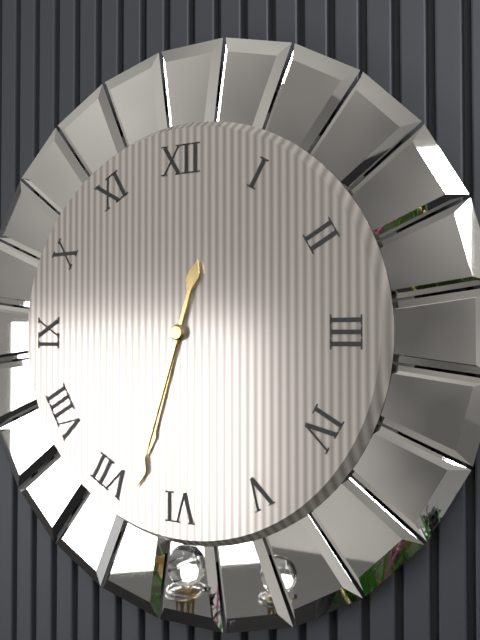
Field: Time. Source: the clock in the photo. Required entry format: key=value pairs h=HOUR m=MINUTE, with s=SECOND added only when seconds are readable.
h=6 m=33
